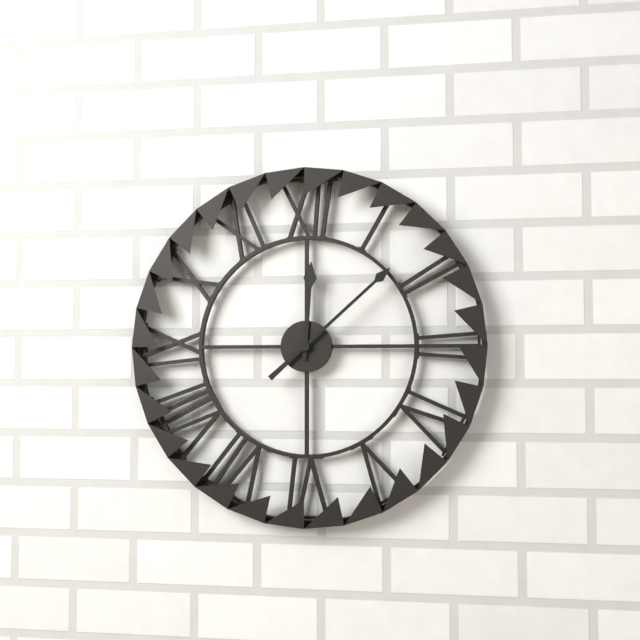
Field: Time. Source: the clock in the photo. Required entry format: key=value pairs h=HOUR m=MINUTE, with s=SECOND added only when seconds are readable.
h=12 m=8
